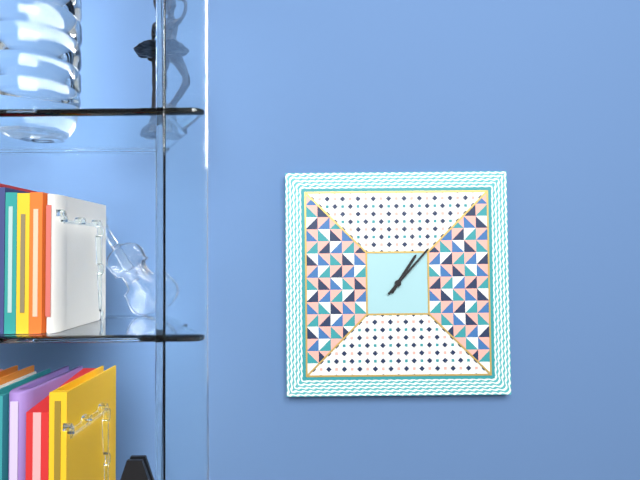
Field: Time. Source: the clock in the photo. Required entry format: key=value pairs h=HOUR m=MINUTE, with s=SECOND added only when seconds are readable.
h=1 m=7
